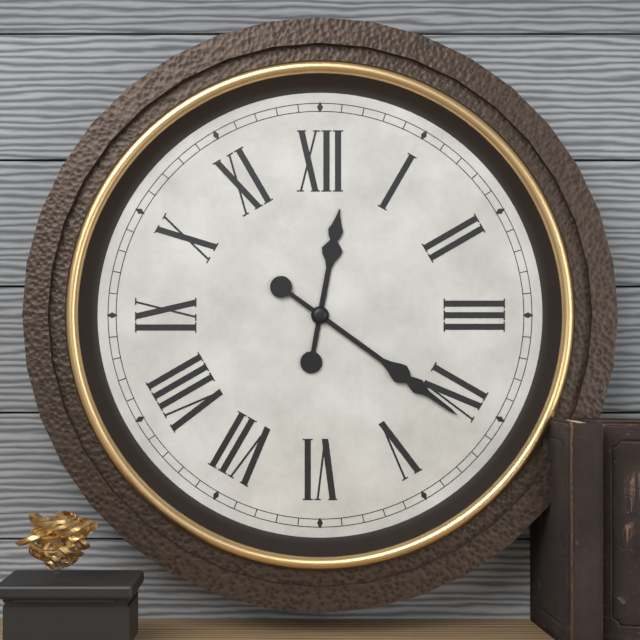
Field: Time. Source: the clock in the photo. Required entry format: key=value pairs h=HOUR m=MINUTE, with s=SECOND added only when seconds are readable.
h=12 m=21
